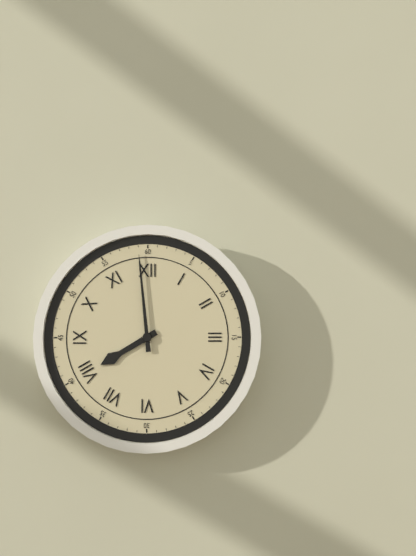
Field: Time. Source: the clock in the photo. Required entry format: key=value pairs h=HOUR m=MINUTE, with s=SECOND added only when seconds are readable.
h=7 m=59
